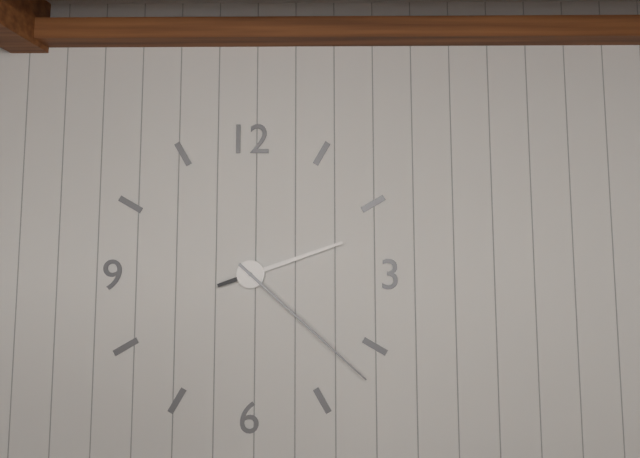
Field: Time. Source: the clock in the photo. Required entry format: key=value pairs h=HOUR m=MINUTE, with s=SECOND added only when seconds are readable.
h=2 m=22
